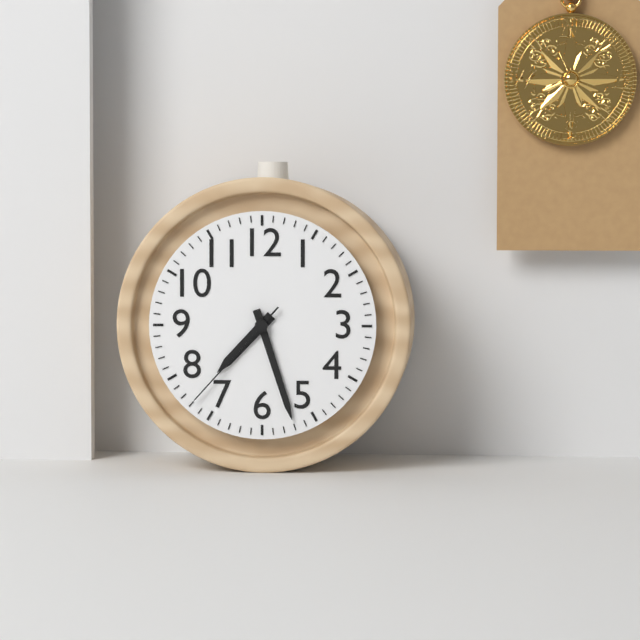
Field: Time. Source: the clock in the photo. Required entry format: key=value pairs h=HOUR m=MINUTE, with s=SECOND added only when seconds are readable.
h=7 m=27 s=37
